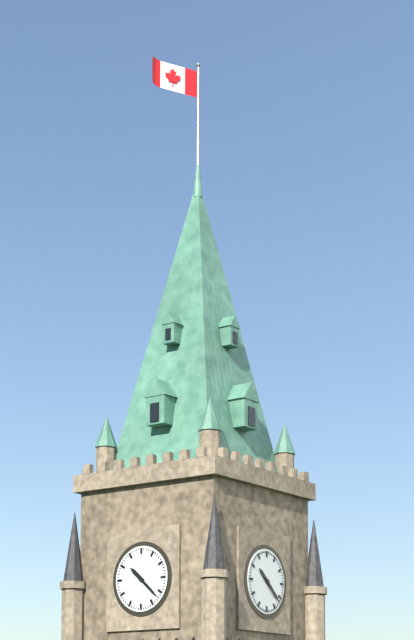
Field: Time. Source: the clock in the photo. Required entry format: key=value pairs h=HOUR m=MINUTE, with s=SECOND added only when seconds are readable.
h=10 m=22
